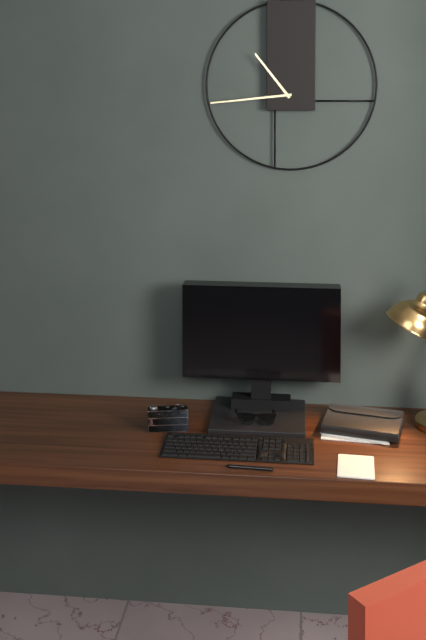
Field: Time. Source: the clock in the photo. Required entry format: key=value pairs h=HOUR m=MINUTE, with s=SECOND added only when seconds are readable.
h=10 m=44
